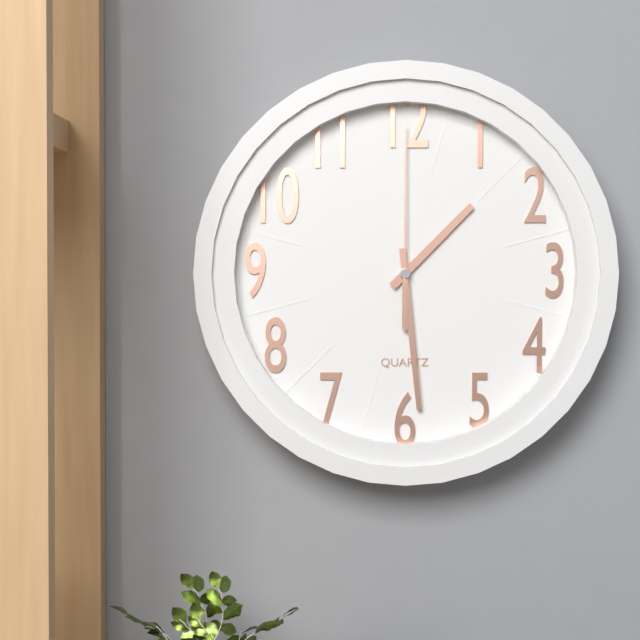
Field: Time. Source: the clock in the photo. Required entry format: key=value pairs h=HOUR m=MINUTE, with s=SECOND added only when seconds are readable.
h=1 m=29 s=0
